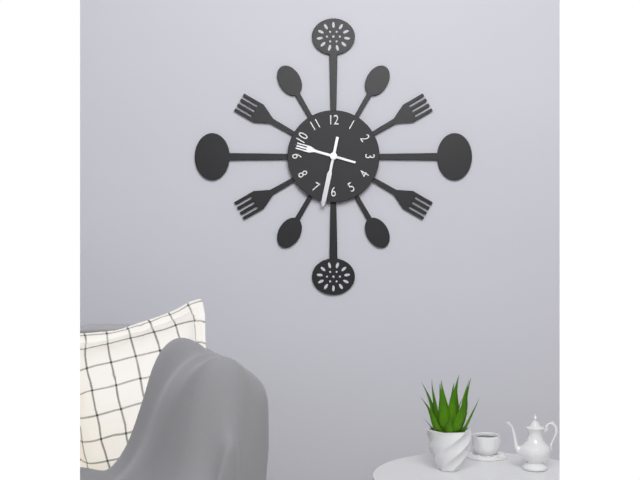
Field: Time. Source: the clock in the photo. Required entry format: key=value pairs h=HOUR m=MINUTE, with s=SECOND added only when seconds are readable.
h=9 m=32
